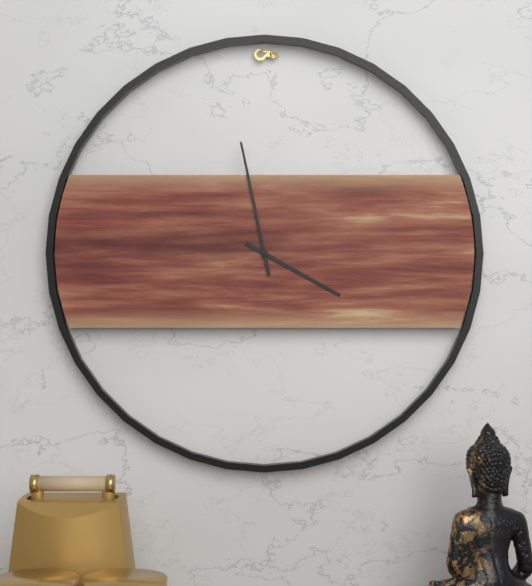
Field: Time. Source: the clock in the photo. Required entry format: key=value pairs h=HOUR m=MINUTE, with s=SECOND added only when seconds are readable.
h=3 m=58
